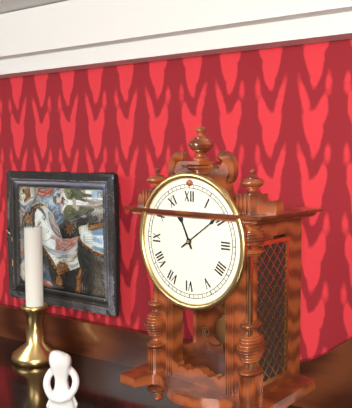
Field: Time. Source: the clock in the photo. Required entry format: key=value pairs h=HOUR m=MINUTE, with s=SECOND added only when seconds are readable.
h=11 m=9
